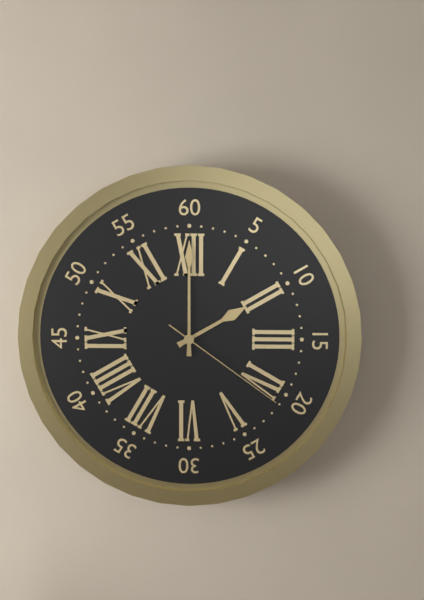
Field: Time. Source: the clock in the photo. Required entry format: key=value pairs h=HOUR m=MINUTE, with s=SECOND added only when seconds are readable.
h=2 m=0 s=21
